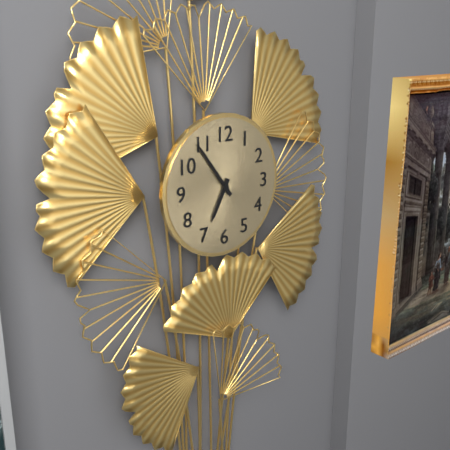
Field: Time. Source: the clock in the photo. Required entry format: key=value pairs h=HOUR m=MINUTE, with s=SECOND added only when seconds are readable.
h=6 m=54
